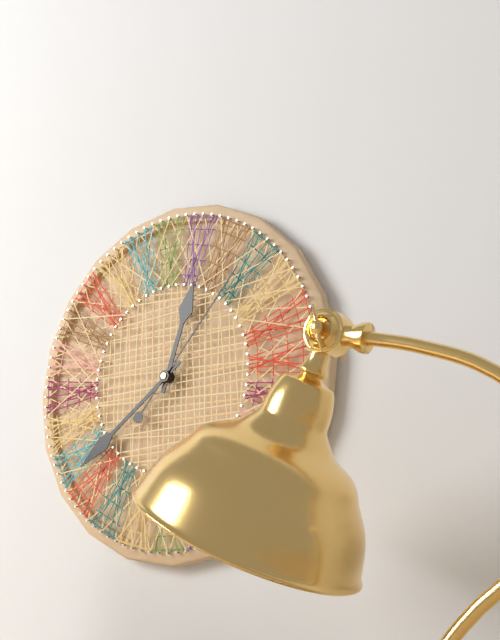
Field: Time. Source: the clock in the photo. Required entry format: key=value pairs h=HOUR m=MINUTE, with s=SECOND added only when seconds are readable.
h=12 m=39 s=7
